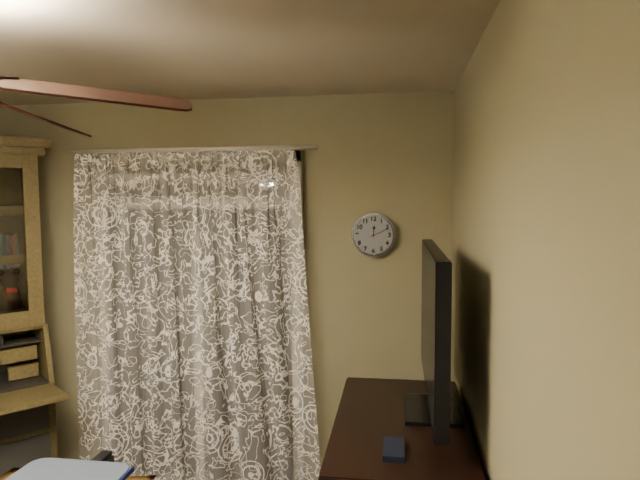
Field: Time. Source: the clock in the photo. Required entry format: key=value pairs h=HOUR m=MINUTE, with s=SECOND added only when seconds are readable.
h=12 m=11
